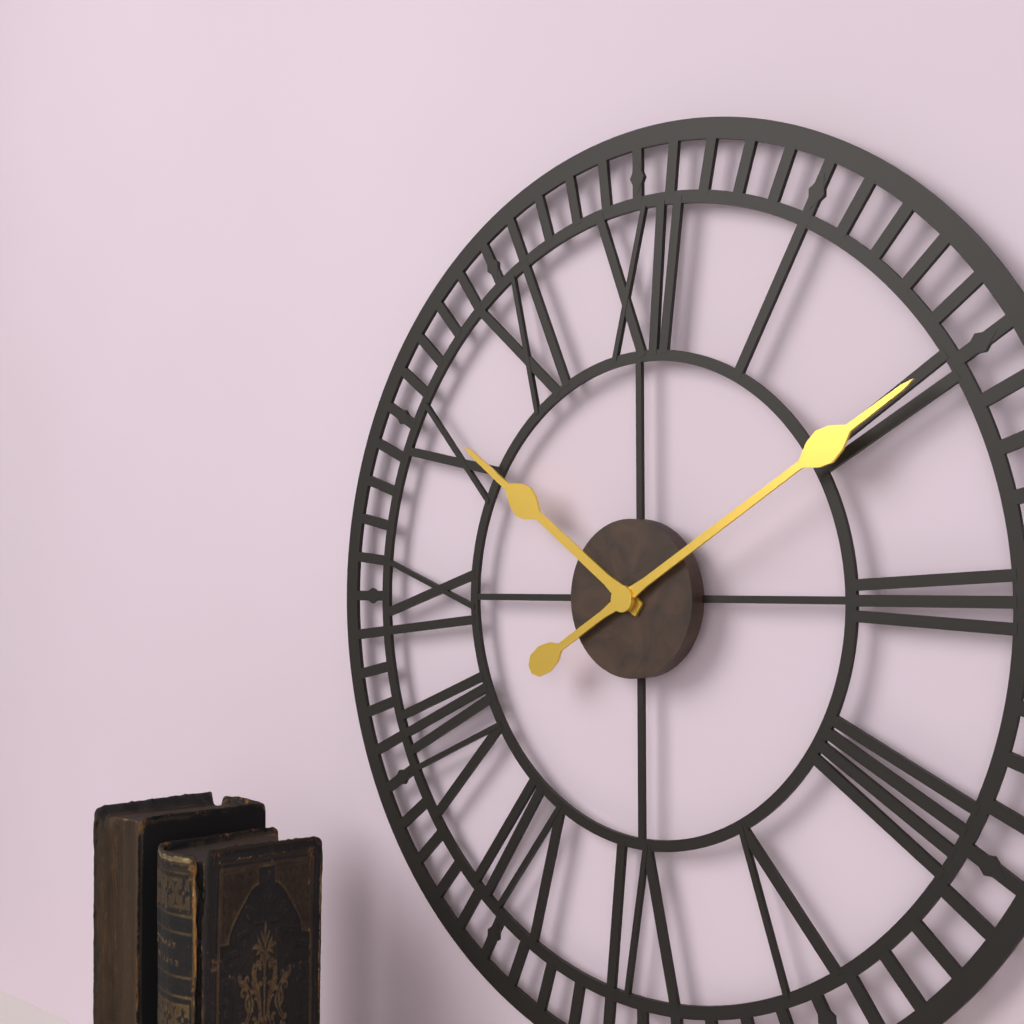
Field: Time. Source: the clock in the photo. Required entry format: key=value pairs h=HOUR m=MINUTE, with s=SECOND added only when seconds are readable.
h=10 m=10
